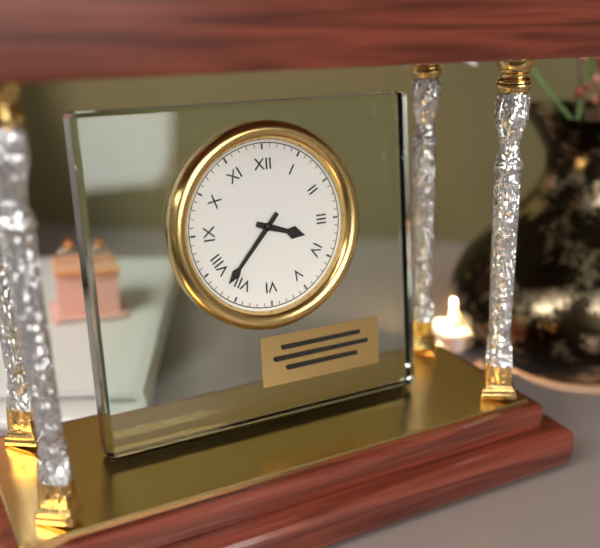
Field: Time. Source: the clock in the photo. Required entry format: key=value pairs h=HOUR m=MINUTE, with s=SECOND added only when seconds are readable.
h=3 m=37
